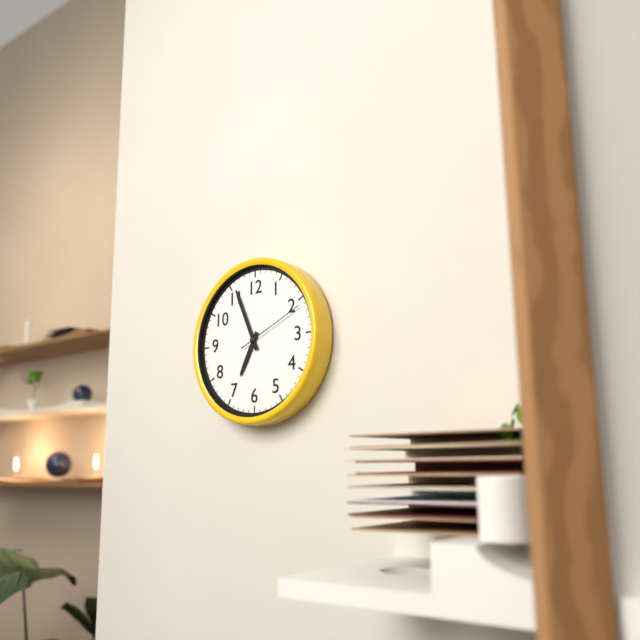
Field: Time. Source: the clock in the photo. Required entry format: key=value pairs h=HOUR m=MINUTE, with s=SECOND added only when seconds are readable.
h=6 m=56 s=11
